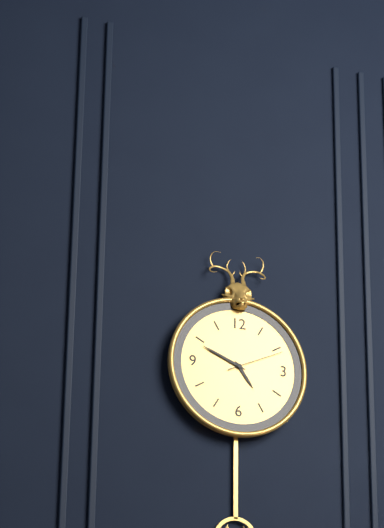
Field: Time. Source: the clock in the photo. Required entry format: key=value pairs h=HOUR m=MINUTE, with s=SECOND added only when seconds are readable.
h=4 m=49 s=11
